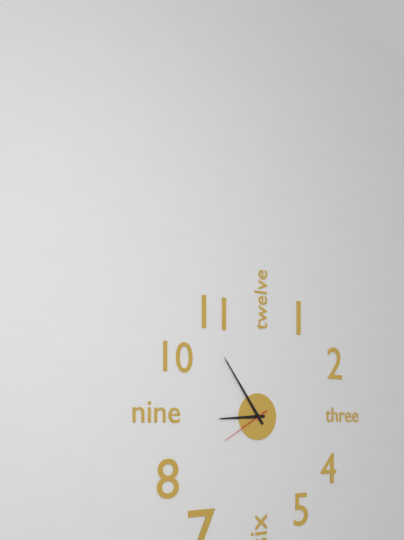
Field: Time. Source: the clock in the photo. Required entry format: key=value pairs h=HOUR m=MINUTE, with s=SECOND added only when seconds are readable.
h=8 m=54 s=40
